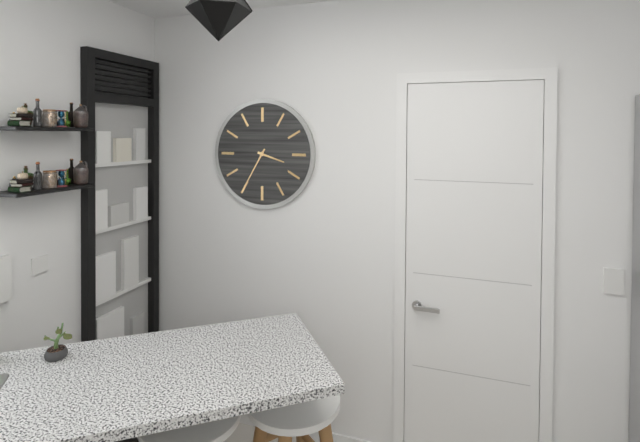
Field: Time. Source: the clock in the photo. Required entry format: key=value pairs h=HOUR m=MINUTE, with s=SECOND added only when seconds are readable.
h=3 m=35
